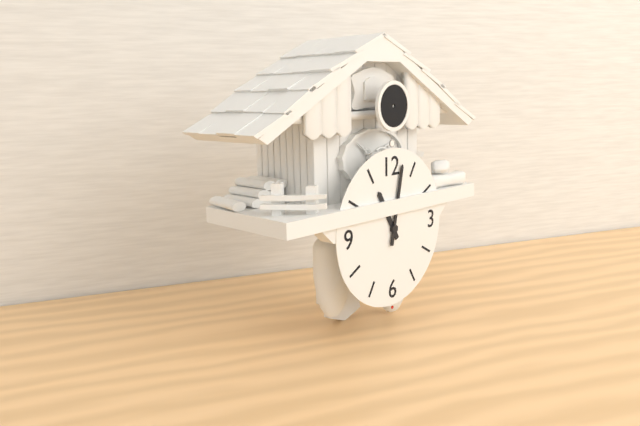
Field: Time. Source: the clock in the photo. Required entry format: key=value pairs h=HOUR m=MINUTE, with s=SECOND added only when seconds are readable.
h=11 m=2
